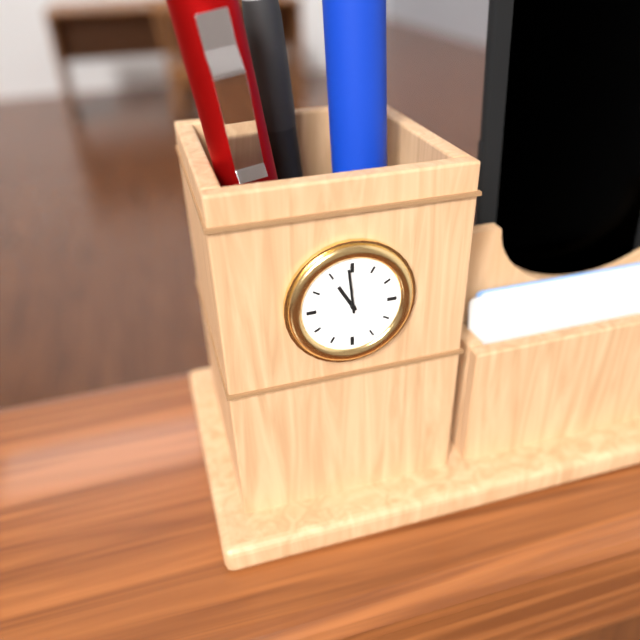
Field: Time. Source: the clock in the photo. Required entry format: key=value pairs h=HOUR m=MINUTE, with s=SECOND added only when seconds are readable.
h=10 m=59
